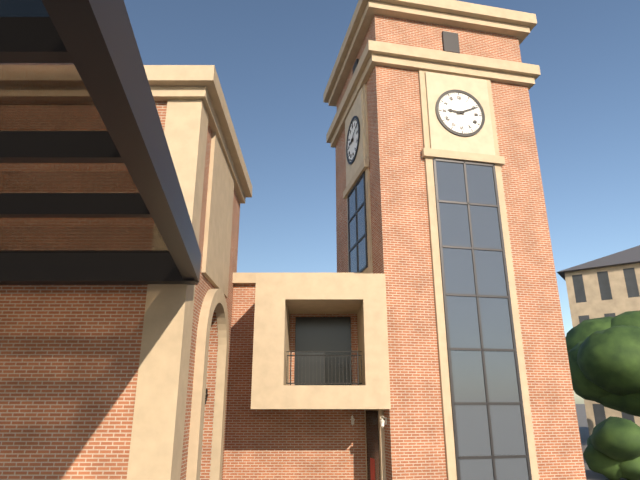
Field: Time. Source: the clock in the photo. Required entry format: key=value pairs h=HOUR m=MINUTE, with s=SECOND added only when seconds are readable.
h=9 m=11
